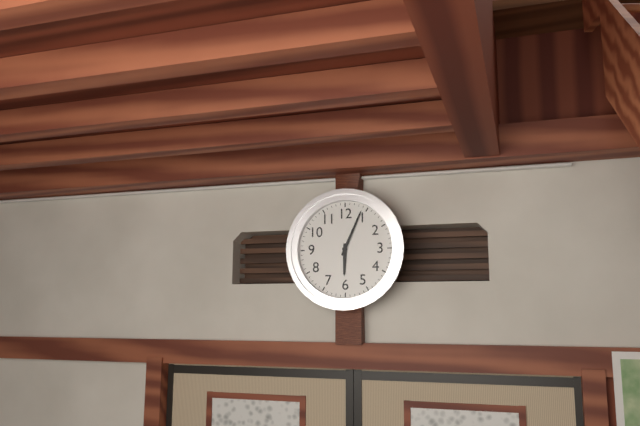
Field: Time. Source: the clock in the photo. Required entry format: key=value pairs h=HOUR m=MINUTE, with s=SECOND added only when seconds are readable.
h=6 m=4
